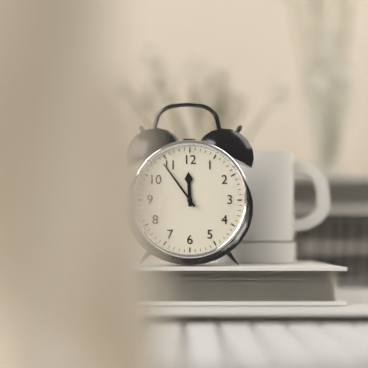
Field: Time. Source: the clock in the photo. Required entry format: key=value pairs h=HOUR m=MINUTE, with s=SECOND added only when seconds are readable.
h=11 m=54
